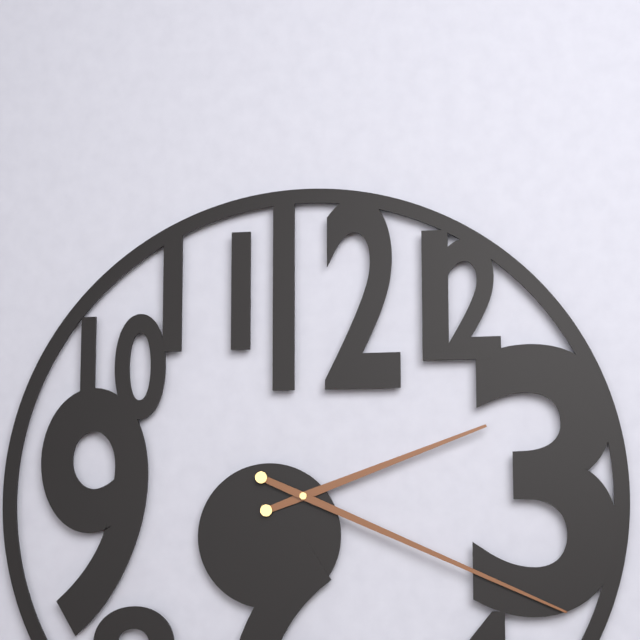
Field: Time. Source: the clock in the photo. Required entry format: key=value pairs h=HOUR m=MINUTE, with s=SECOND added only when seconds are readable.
h=2 m=19
